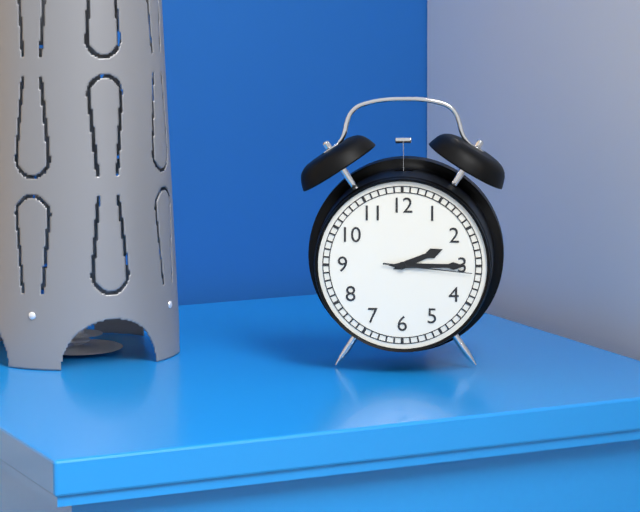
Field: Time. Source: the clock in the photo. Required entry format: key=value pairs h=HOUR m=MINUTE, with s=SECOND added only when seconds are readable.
h=2 m=15 s=16
